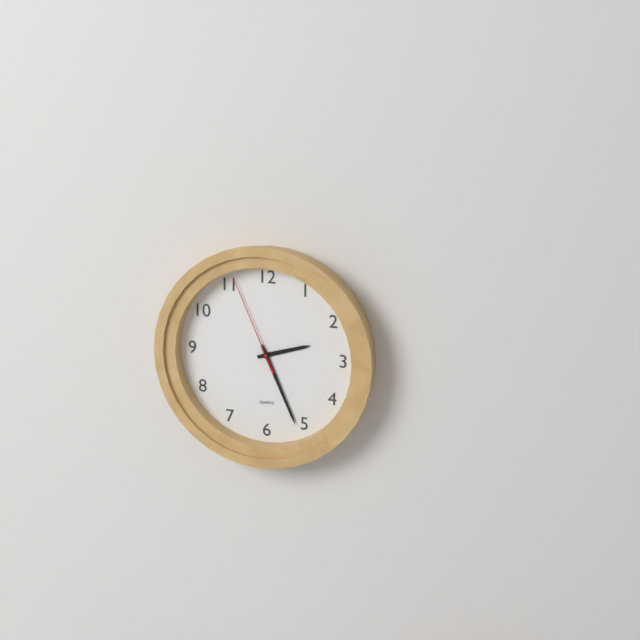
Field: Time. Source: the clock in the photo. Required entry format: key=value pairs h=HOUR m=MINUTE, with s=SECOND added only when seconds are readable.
h=2 m=26 s=56
